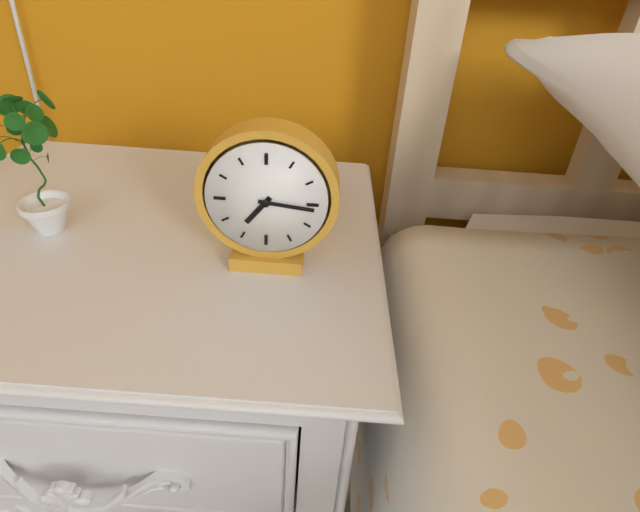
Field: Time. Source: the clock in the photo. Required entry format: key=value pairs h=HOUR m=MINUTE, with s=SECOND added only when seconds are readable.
h=7 m=16
